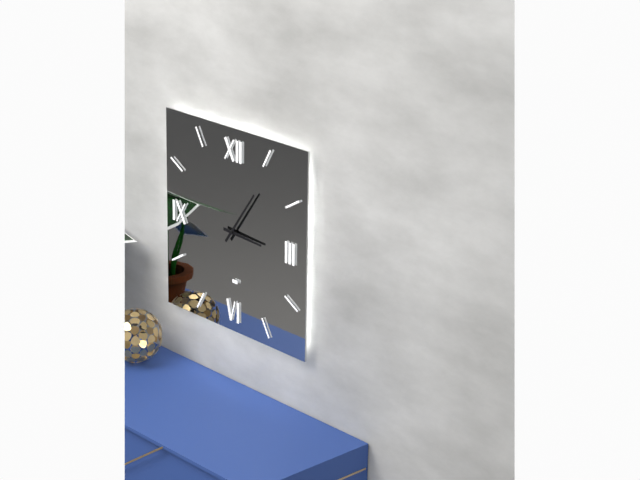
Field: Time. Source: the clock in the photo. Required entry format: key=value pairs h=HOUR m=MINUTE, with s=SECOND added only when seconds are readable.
h=3 m=6
